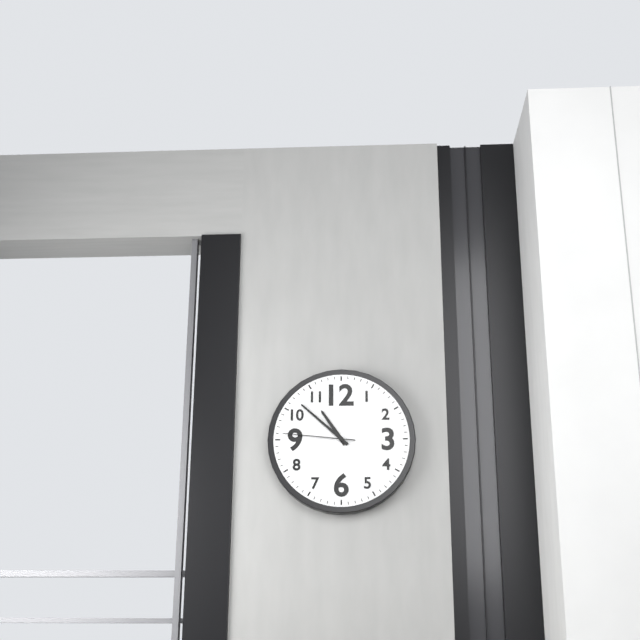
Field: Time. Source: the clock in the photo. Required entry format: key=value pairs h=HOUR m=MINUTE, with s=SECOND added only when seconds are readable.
h=10 m=52 s=46
